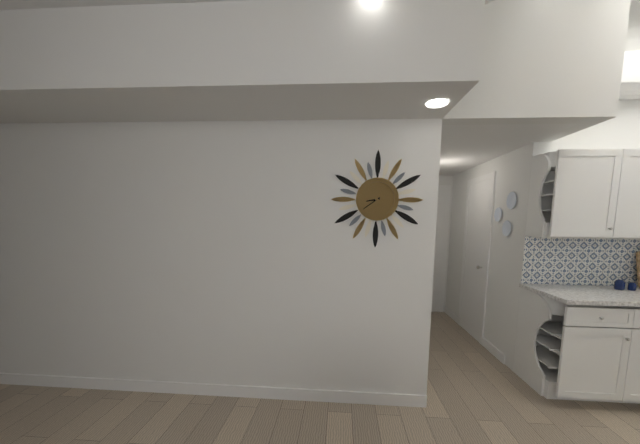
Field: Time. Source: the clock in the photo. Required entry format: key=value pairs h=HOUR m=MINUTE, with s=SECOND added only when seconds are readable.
h=8 m=39
